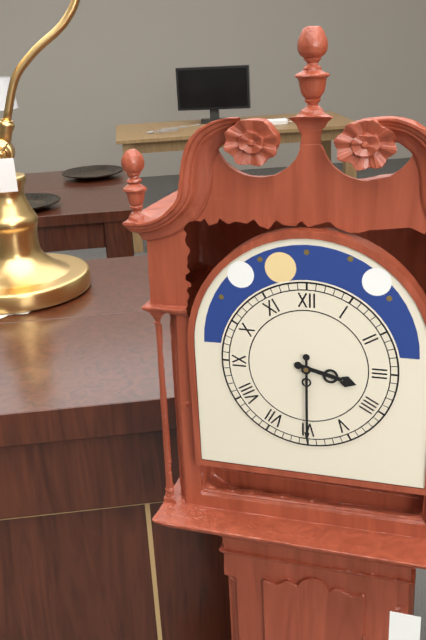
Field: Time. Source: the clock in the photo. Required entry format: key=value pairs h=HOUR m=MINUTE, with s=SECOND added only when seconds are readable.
h=3 m=30
